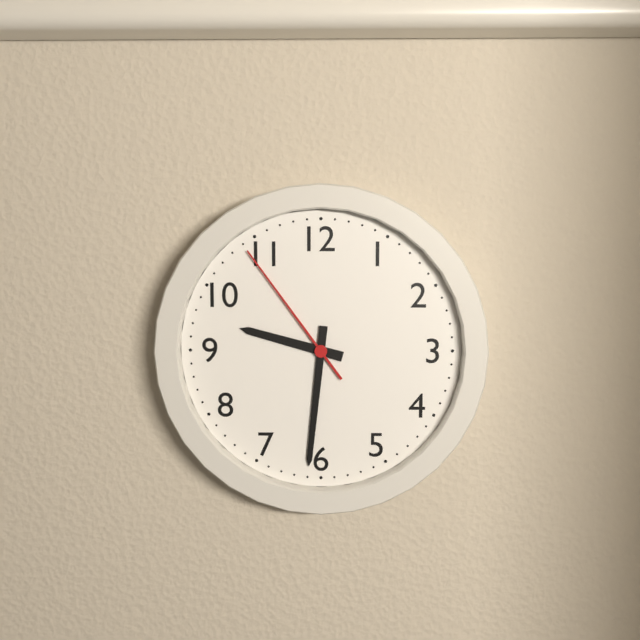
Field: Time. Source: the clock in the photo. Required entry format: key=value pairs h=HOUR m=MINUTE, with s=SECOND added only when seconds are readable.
h=9 m=31 s=54
